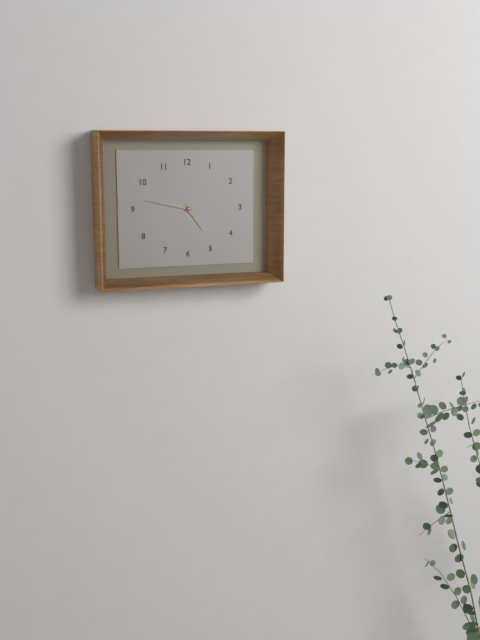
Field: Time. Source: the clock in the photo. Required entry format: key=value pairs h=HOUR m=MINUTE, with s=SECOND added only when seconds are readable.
h=4 m=47
